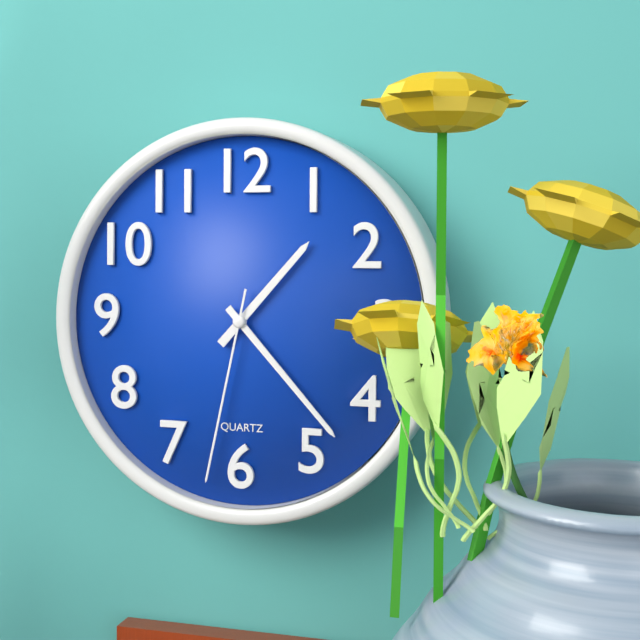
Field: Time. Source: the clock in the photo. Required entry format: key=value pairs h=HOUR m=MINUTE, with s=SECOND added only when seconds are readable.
h=1 m=23 s=32
